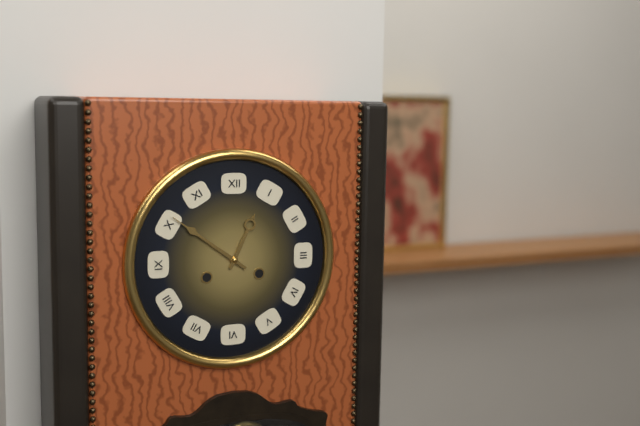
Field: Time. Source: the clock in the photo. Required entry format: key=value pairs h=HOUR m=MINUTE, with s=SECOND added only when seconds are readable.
h=12 m=51
